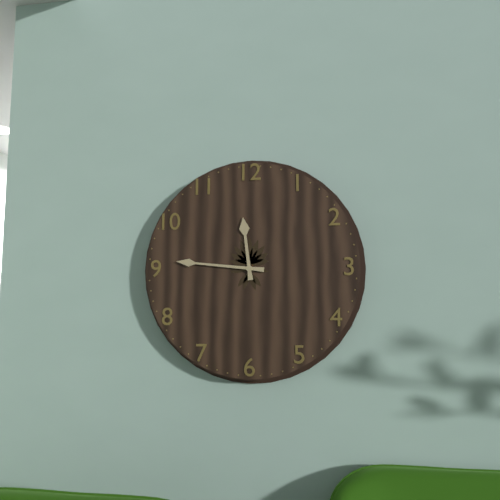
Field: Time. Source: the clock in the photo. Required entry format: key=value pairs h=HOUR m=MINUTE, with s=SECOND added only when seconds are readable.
h=11 m=46
